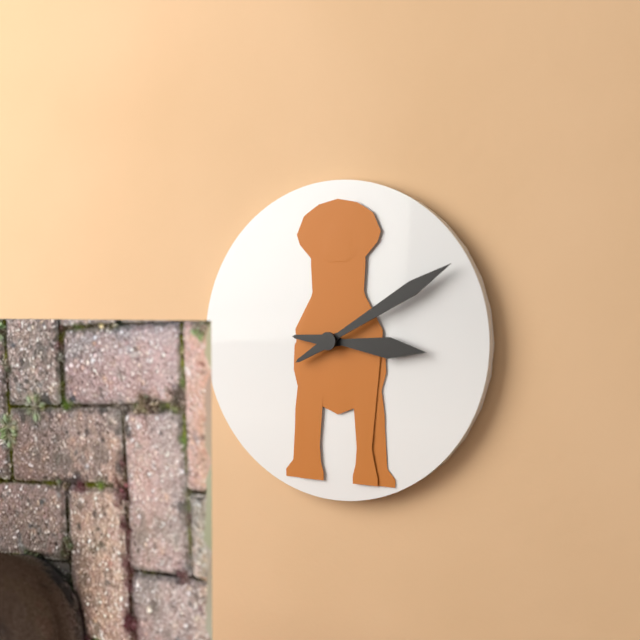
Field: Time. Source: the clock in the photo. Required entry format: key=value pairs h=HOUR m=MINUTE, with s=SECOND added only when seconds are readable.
h=3 m=10
